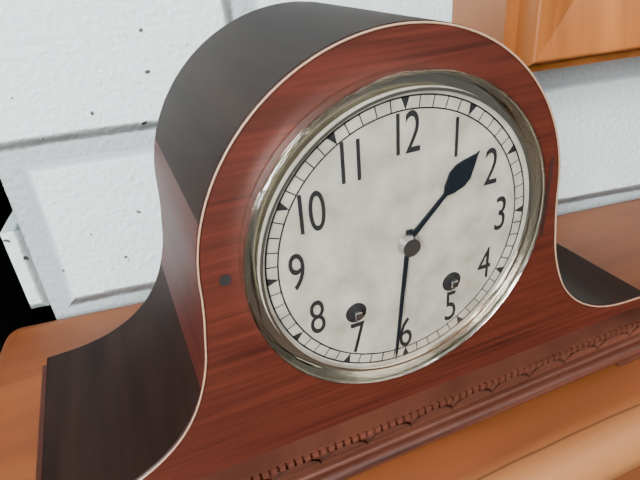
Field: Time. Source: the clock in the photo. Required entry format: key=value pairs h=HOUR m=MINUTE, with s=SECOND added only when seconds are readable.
h=1 m=31
